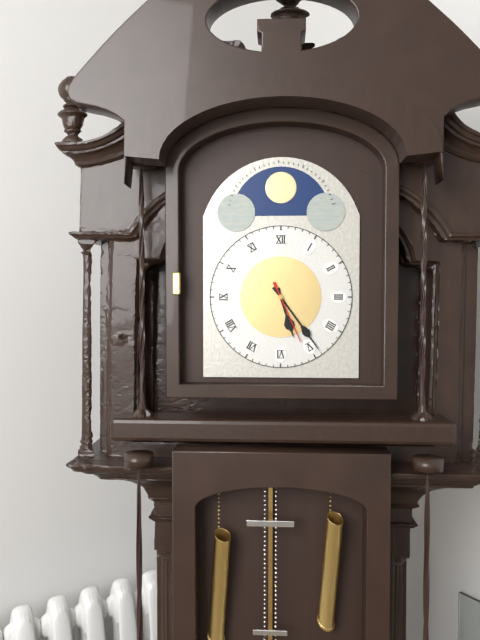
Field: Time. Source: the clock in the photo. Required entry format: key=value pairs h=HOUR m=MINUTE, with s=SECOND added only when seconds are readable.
h=5 m=24 s=26
